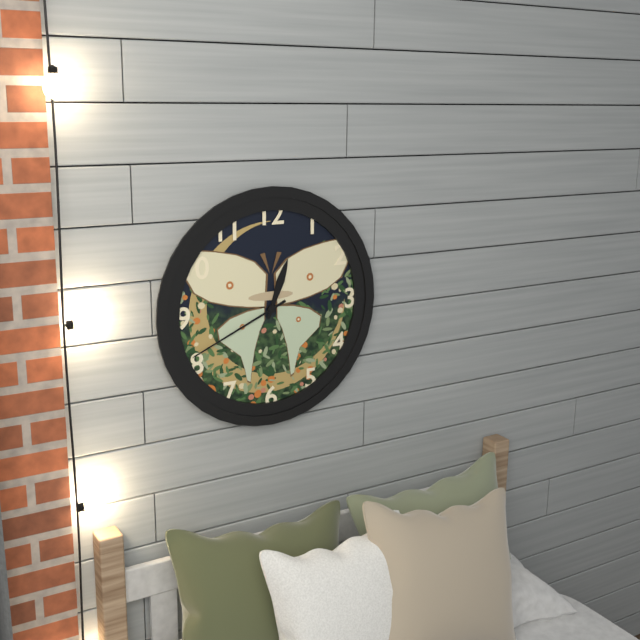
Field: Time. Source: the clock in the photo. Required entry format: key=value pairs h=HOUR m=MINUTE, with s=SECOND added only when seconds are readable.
h=12 m=41
